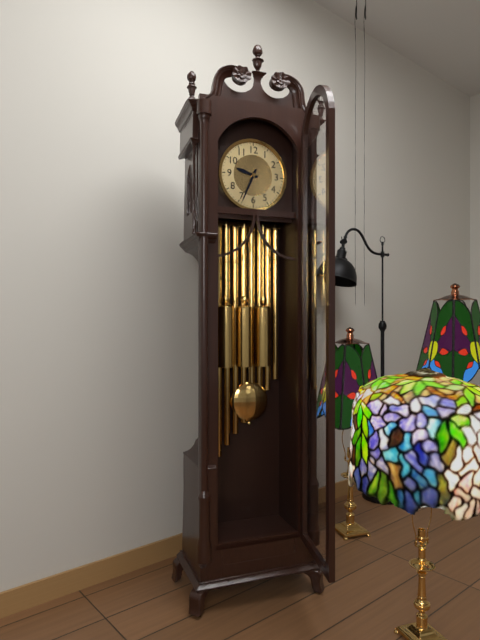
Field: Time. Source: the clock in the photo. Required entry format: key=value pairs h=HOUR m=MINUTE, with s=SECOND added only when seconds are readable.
h=9 m=34
